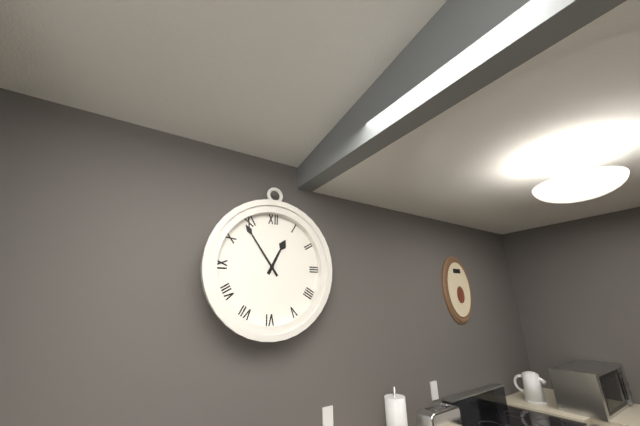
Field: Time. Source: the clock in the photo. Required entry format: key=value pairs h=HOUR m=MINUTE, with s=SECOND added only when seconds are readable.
h=12 m=54
